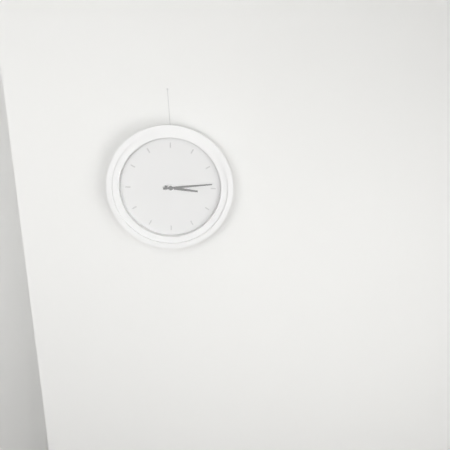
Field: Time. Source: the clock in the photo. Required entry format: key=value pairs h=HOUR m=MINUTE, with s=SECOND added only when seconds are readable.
h=3 m=14
